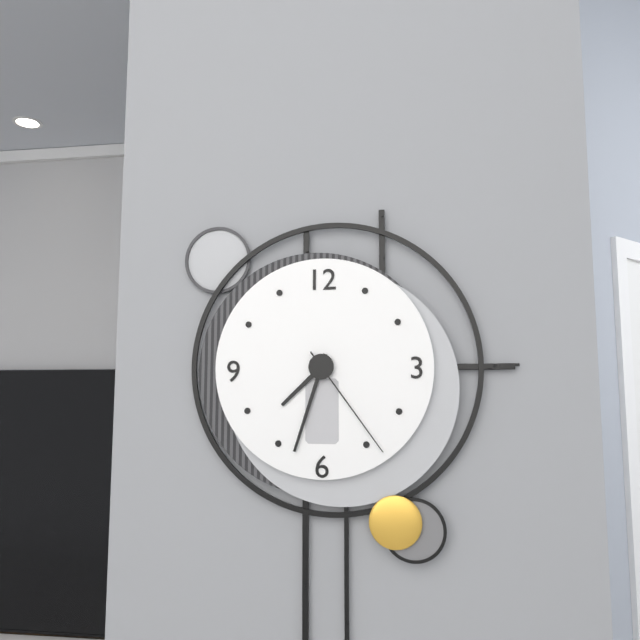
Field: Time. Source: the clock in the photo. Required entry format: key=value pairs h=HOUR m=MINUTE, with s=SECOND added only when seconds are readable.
h=7 m=33 s=24
